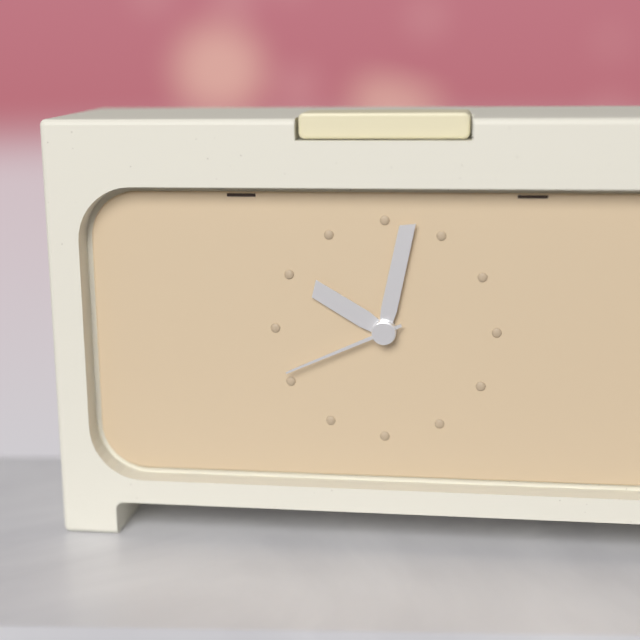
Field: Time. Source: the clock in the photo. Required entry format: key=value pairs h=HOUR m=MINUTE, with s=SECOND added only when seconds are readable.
h=10 m=2 s=41
